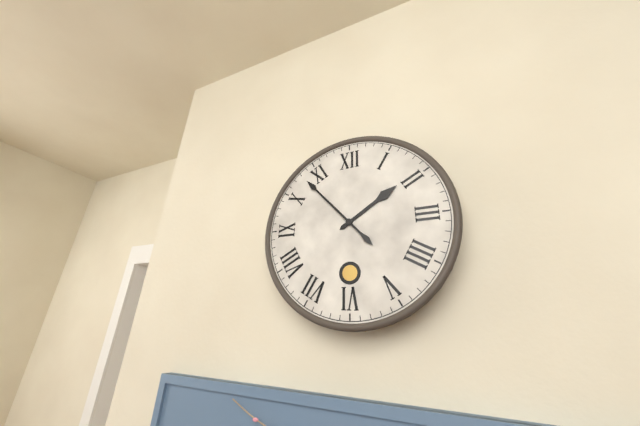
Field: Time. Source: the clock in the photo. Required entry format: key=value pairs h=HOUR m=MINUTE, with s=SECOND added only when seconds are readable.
h=1 m=53
